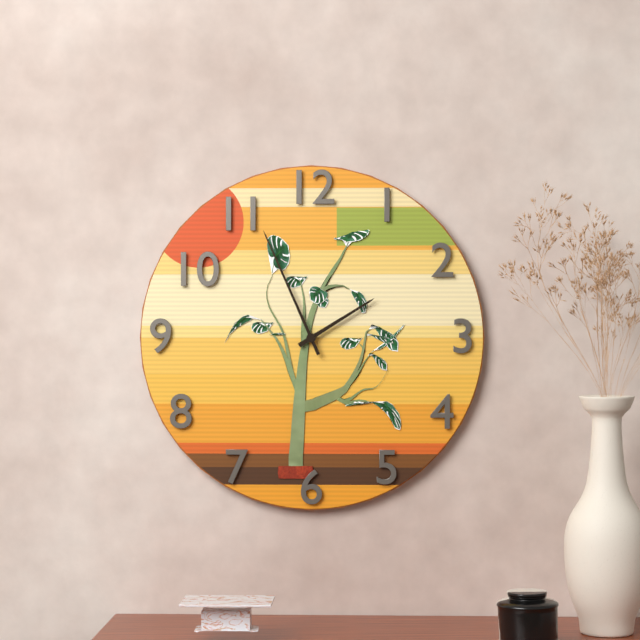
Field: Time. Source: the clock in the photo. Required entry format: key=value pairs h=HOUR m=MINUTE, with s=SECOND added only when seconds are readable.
h=1 m=56
